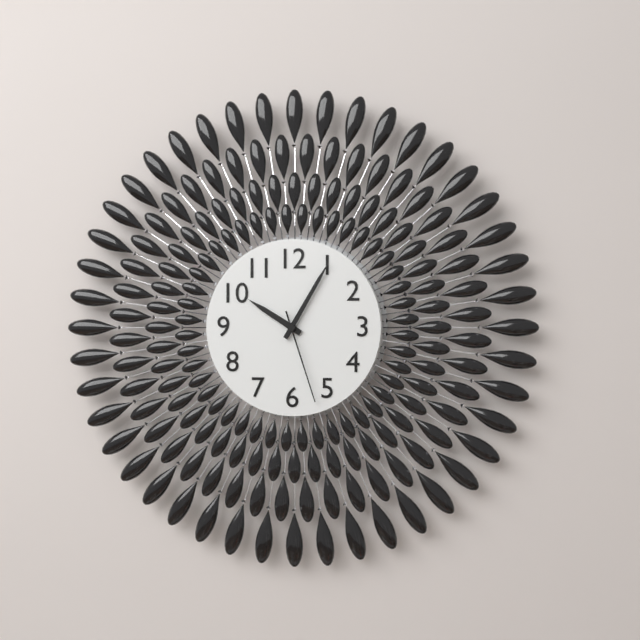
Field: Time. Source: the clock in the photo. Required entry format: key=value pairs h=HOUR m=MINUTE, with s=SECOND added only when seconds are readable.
h=10 m=5 s=27
